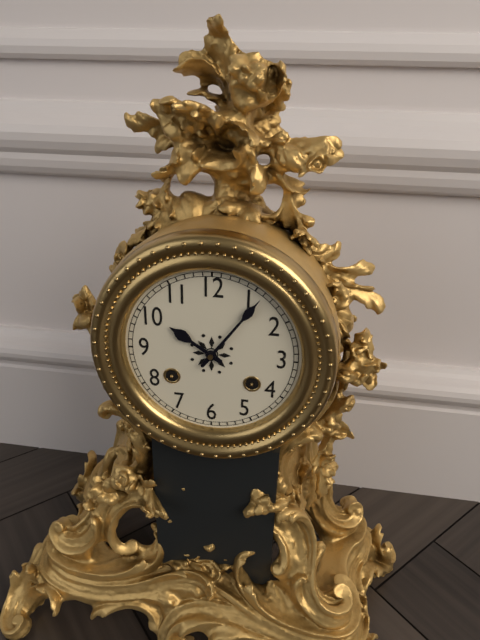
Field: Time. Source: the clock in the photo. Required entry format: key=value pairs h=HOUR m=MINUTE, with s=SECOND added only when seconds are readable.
h=10 m=6
